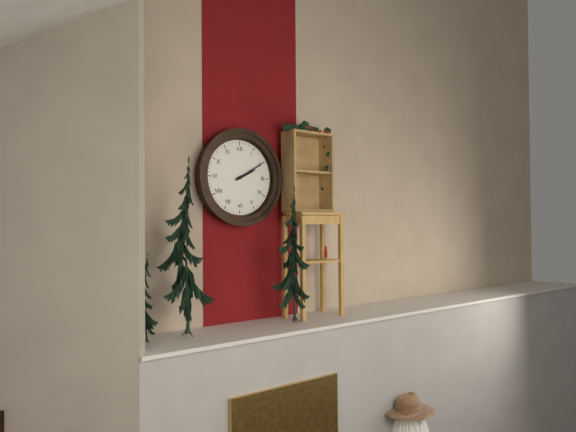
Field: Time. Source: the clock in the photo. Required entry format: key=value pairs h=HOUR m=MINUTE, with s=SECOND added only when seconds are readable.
h=2 m=10
